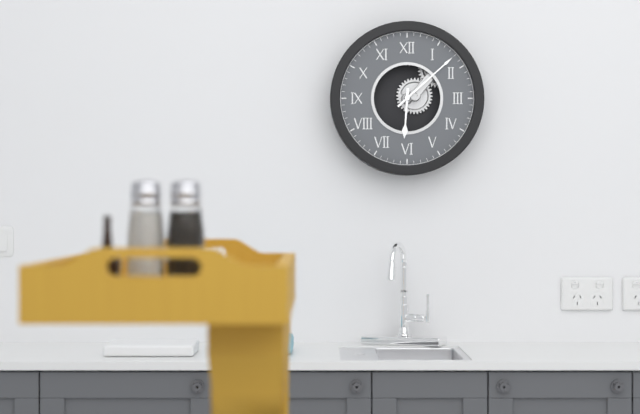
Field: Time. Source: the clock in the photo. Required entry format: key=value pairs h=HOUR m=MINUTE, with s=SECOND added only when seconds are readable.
h=6 m=8
